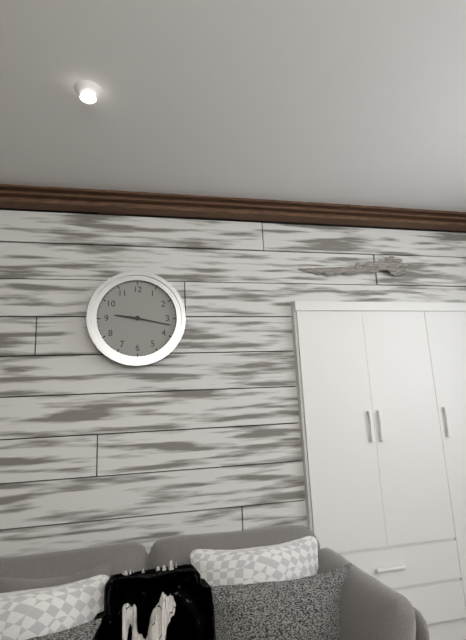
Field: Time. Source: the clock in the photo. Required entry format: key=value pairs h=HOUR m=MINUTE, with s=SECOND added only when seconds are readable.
h=9 m=17
